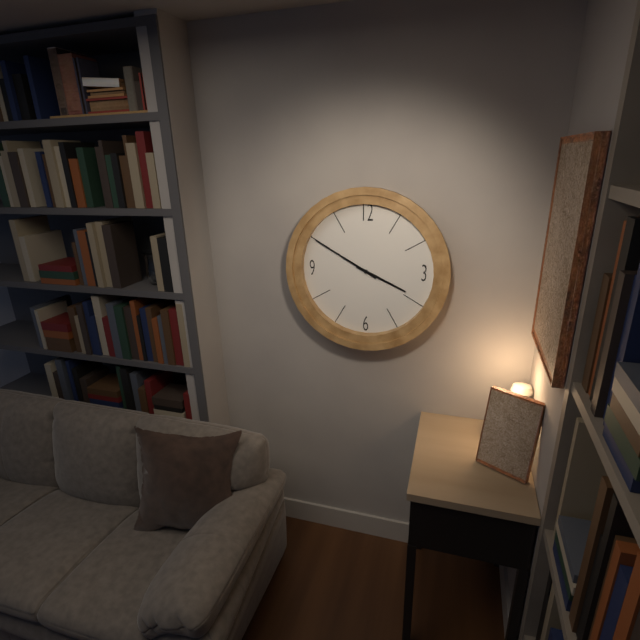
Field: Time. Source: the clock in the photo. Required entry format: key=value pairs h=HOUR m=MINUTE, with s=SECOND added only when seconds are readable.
h=3 m=50
